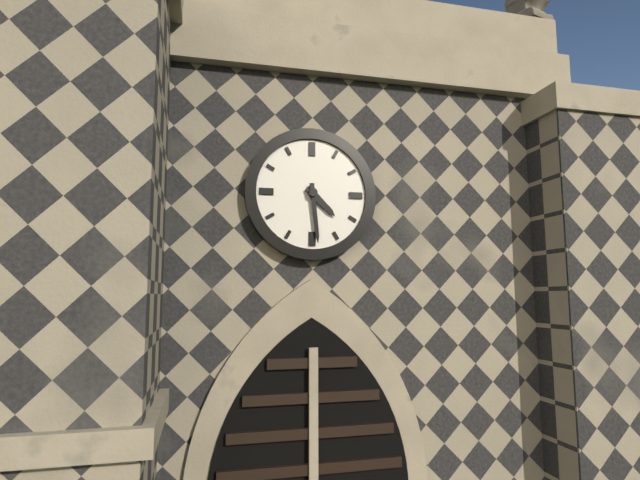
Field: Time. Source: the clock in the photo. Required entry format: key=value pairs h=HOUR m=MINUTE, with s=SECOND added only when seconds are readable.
h=4 m=29
